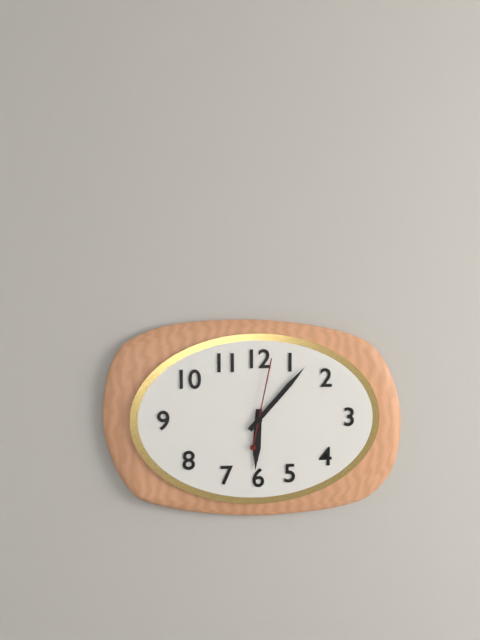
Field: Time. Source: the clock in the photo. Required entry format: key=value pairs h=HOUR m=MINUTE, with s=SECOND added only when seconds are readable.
h=6 m=7 s=2
